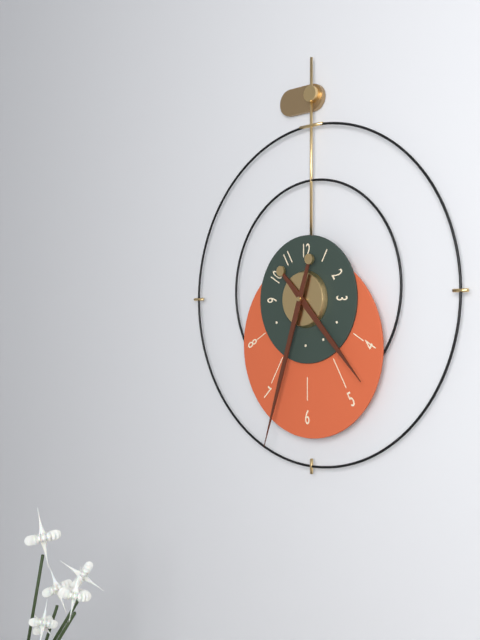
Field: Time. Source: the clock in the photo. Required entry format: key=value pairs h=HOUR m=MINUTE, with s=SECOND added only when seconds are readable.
h=4 m=33
